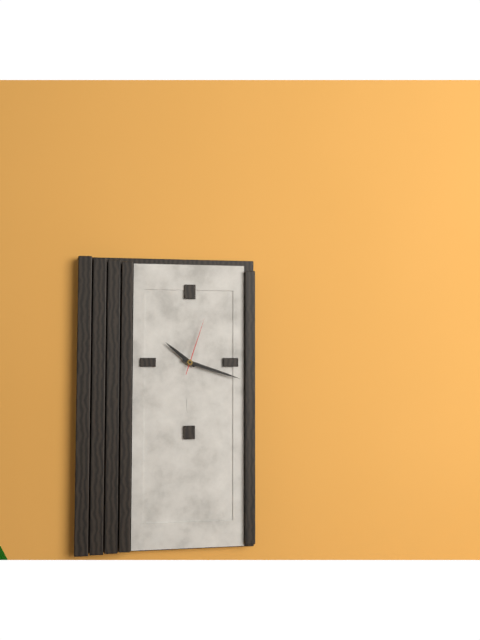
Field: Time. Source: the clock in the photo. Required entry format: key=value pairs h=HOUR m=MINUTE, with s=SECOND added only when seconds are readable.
h=10 m=18 s=3
